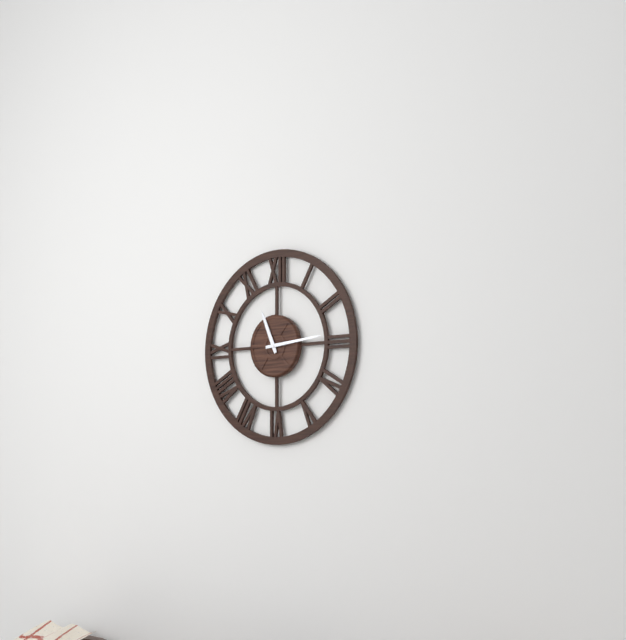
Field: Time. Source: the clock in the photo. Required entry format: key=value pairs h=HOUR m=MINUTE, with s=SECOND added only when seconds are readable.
h=11 m=14
